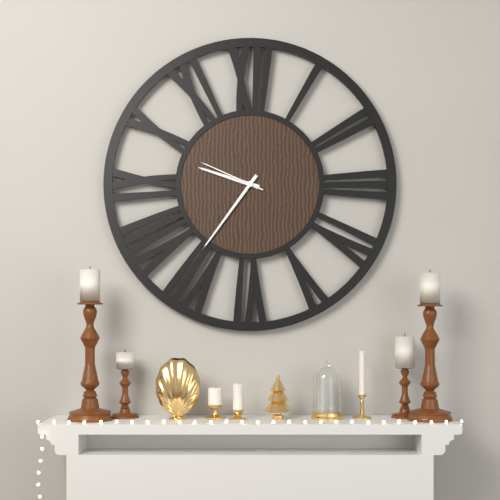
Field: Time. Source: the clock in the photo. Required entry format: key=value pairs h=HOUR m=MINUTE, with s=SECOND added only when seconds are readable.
h=9 m=36 s=49
